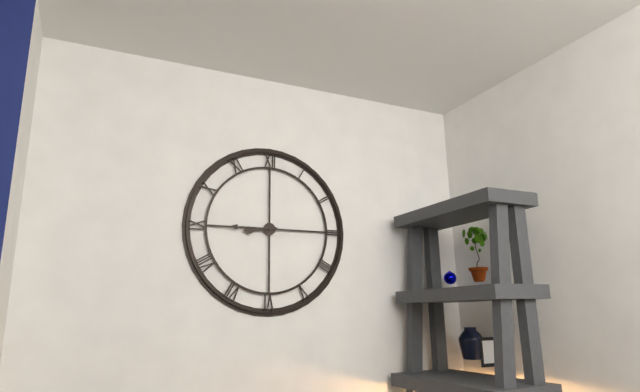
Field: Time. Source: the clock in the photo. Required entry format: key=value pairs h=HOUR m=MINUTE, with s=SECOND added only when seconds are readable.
h=8 m=45
